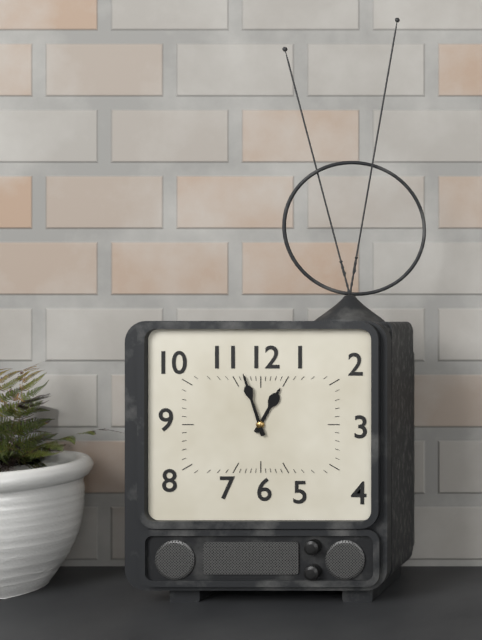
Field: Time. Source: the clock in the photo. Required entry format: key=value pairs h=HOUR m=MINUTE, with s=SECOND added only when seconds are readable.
h=12 m=57
